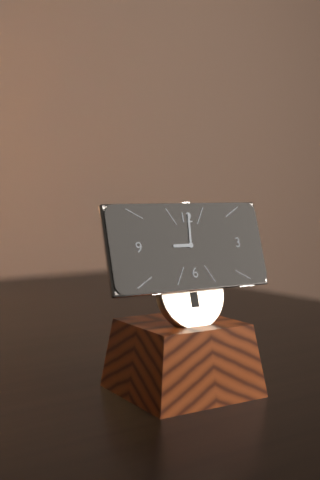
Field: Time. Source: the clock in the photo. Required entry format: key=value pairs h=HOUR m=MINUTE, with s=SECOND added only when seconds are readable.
h=9 m=1
